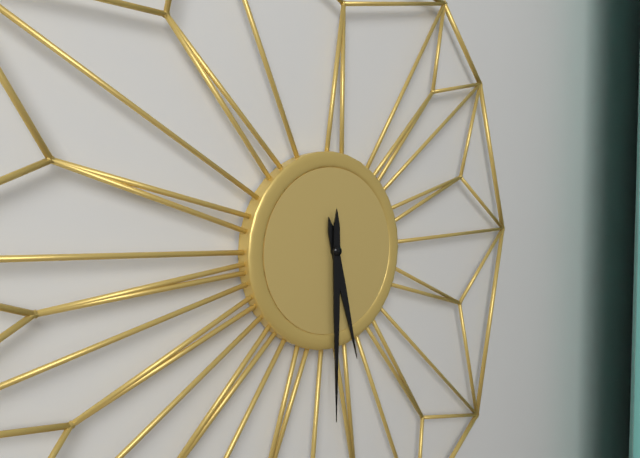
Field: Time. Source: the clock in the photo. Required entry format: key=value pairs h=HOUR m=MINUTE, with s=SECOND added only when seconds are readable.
h=5 m=30
